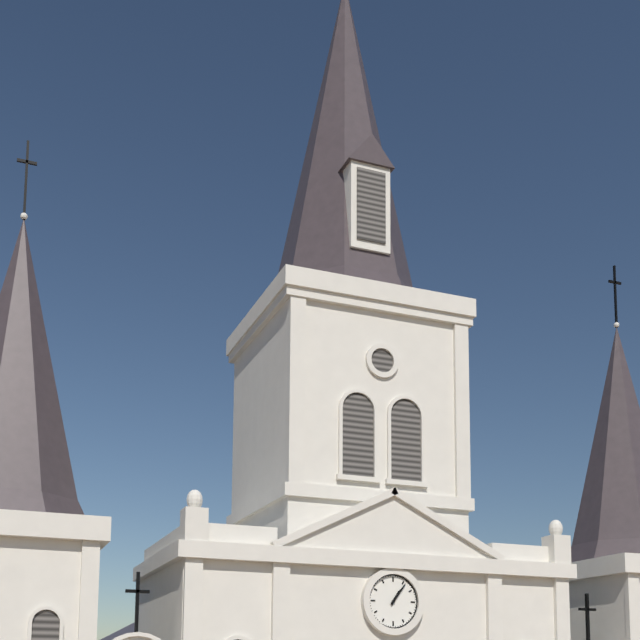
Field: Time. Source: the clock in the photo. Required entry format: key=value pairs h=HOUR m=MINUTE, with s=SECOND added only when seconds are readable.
h=1 m=6
